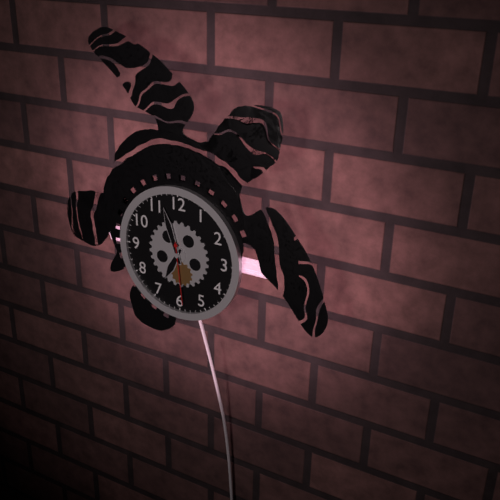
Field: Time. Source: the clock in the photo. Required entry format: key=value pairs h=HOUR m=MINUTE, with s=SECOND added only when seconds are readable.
h=6 m=57 s=29
